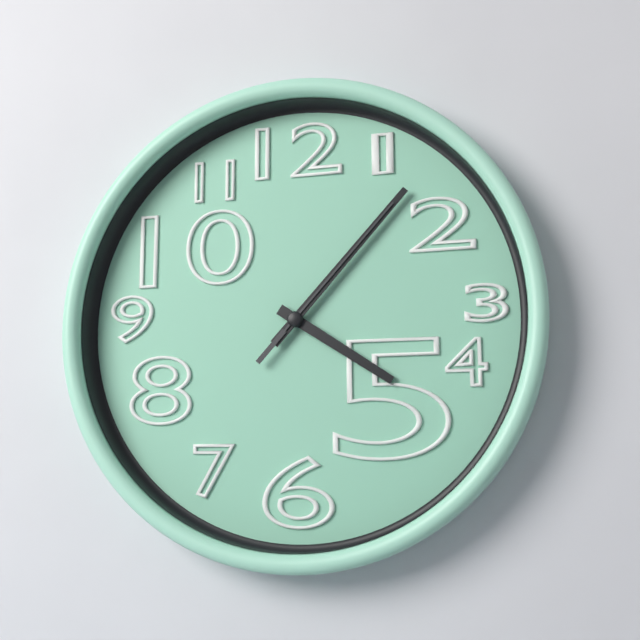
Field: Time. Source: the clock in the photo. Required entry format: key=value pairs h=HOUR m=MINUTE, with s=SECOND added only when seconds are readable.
h=4 m=7 s=7
